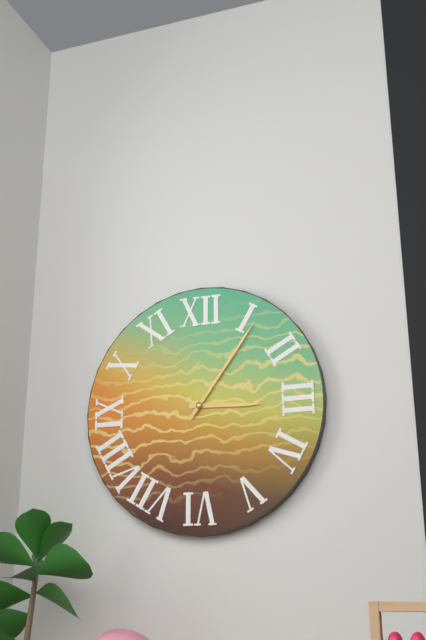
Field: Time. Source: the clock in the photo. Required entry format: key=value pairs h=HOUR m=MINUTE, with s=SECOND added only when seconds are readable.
h=3 m=6
